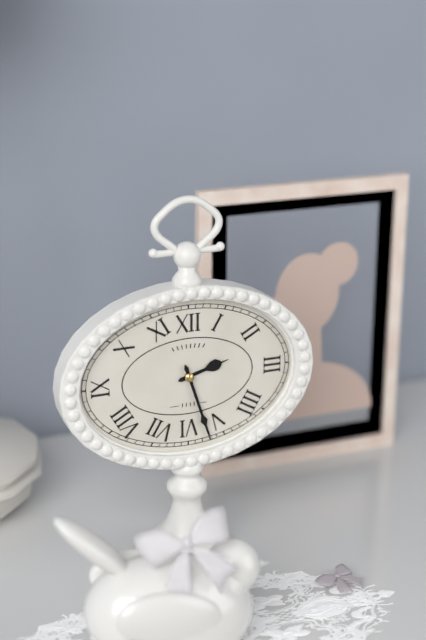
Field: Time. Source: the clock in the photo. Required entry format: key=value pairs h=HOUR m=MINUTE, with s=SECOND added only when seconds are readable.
h=2 m=27
